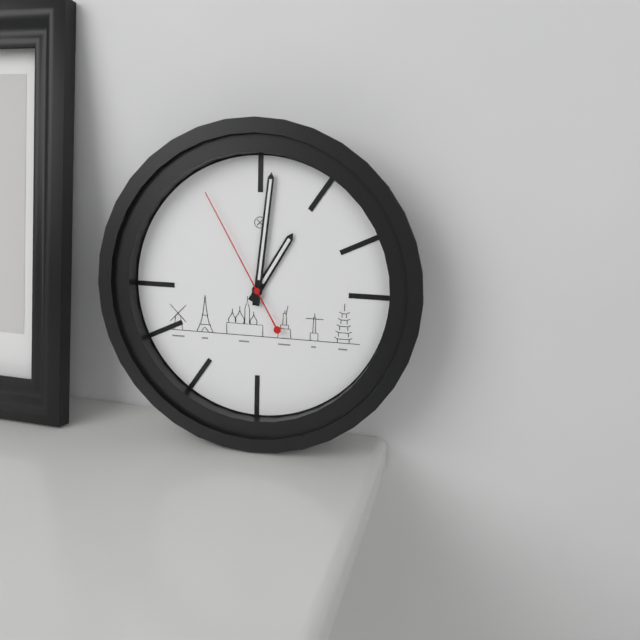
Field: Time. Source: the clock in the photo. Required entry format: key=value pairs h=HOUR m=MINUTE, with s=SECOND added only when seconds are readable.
h=1 m=1 s=55
